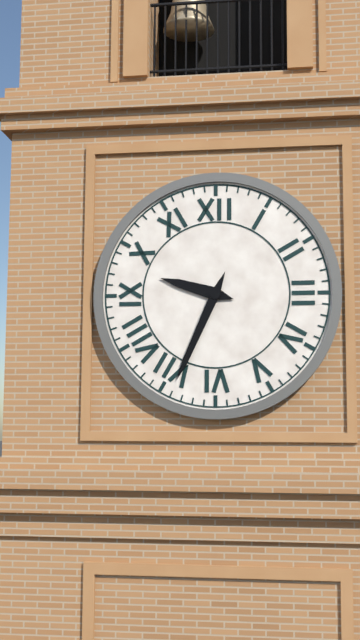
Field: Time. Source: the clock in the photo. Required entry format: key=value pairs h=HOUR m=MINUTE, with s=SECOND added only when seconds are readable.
h=9 m=34
